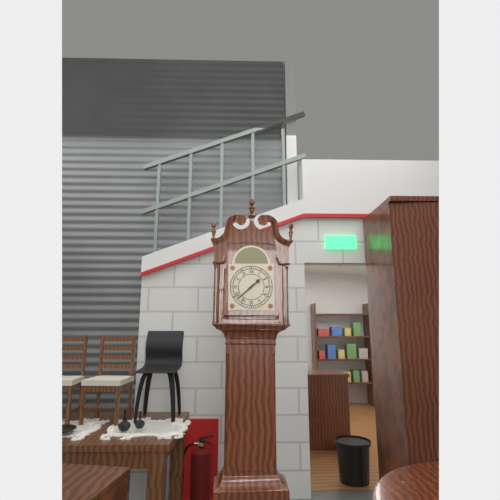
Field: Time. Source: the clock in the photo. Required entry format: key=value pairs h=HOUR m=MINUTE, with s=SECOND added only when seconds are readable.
h=1 m=38
